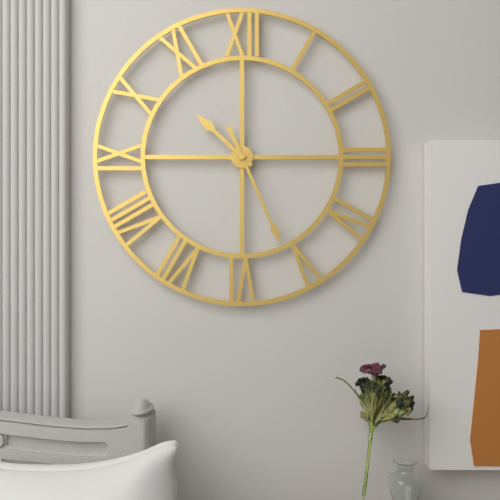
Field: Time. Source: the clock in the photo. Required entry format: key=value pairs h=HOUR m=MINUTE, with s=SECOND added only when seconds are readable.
h=10 m=26
